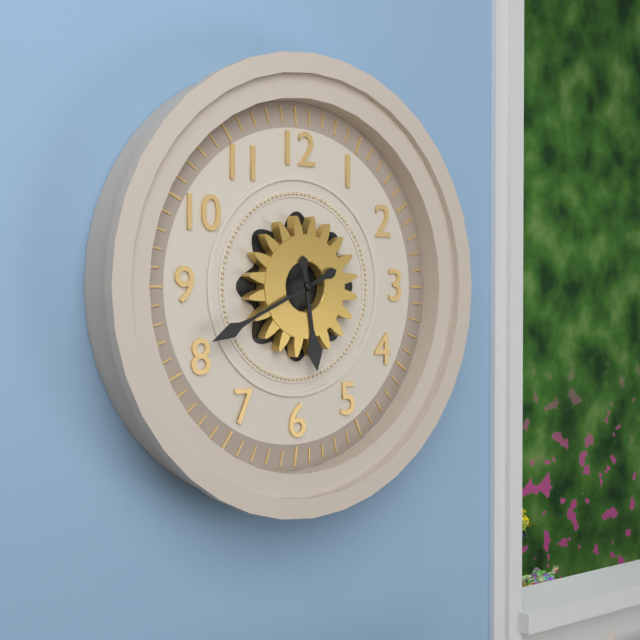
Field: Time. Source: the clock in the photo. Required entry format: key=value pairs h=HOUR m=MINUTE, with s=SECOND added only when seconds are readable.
h=5 m=41
